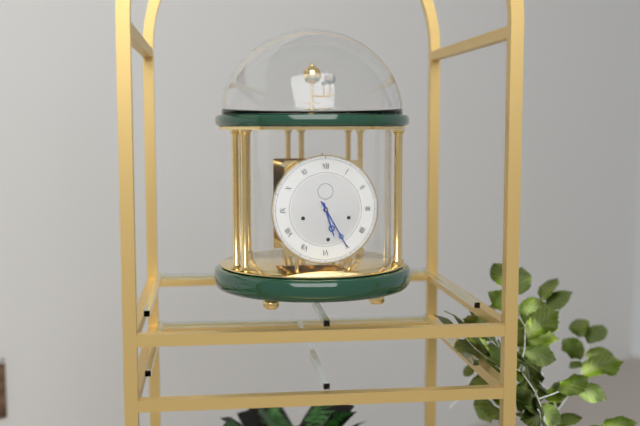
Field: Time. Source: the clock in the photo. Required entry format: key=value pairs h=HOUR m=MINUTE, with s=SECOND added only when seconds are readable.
h=5 m=25
